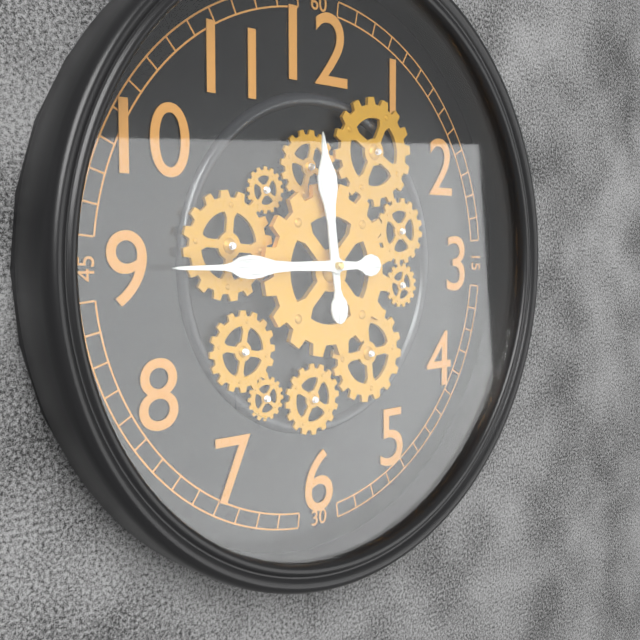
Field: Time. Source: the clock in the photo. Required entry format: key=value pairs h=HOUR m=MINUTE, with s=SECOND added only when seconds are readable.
h=11 m=45
